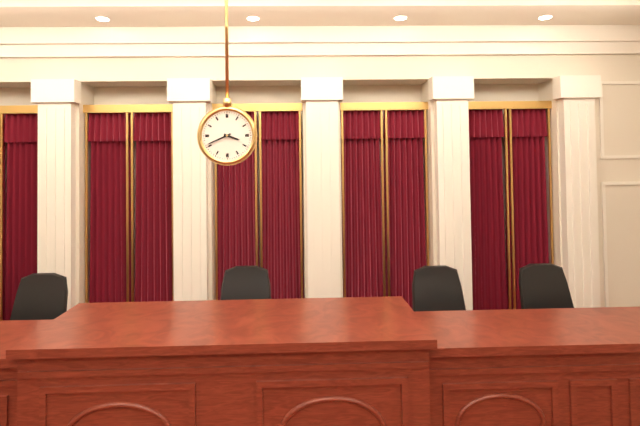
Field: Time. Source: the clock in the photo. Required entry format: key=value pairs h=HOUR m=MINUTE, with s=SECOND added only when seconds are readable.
h=3 m=41
